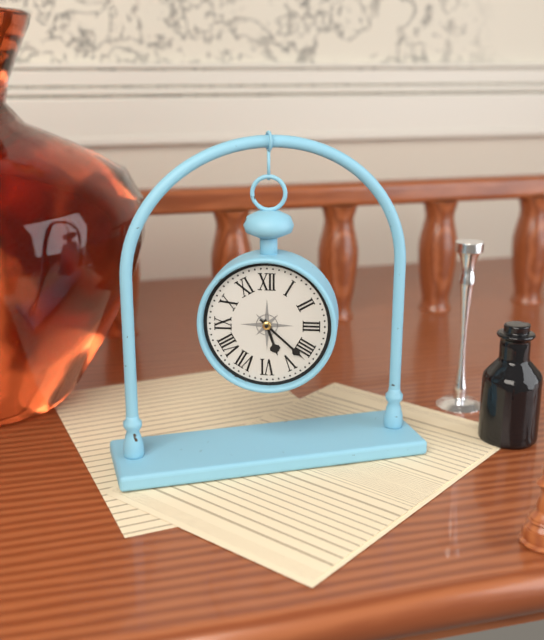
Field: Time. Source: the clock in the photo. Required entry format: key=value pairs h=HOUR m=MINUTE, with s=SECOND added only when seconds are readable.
h=5 m=22
